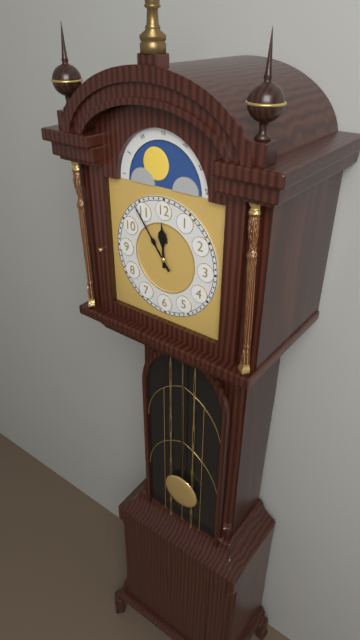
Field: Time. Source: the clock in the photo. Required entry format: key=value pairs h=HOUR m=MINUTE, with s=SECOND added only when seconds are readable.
h=11 m=54
